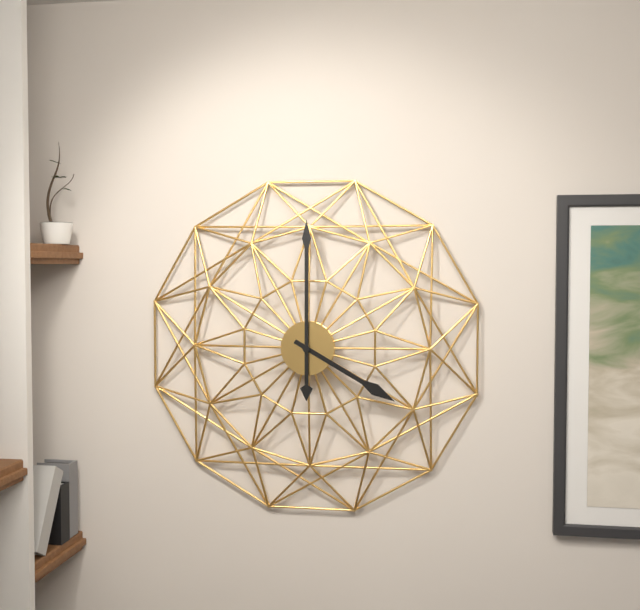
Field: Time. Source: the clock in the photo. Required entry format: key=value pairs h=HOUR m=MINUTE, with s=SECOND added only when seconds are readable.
h=4 m=0
